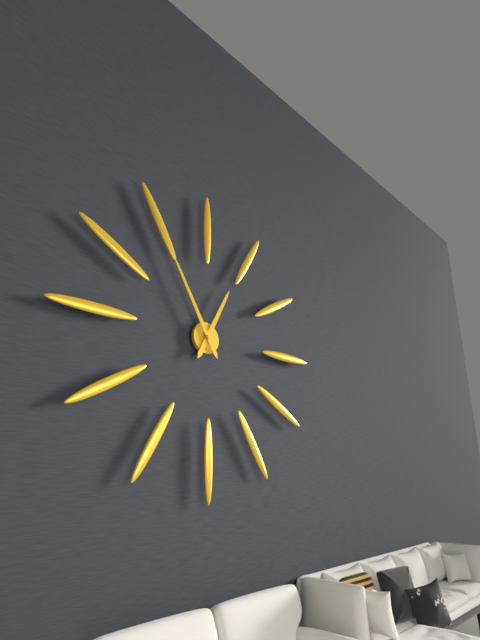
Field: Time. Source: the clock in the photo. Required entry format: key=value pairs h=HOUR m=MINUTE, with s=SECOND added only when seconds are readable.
h=12 m=55
